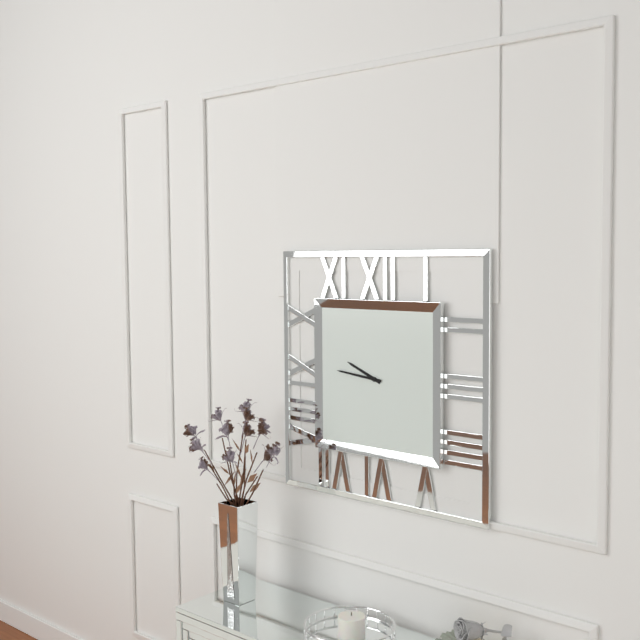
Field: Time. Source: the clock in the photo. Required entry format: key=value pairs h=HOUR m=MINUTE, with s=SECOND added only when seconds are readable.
h=9 m=46
